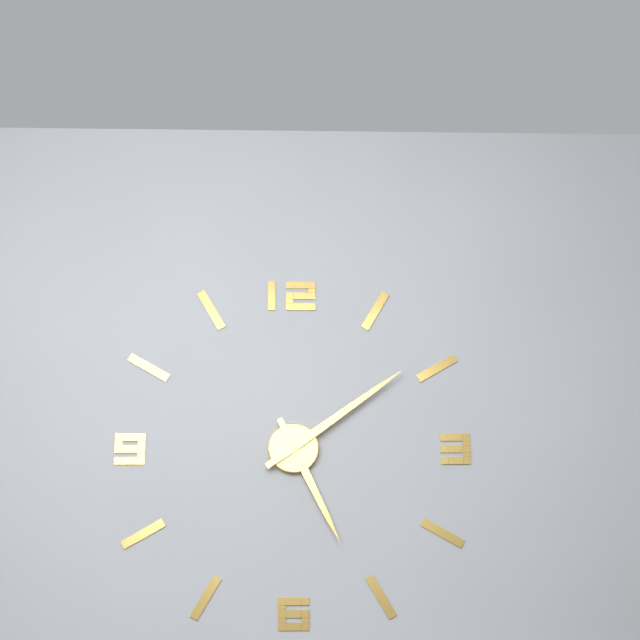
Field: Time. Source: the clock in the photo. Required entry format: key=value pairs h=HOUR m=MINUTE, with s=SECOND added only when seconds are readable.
h=5 m=9
